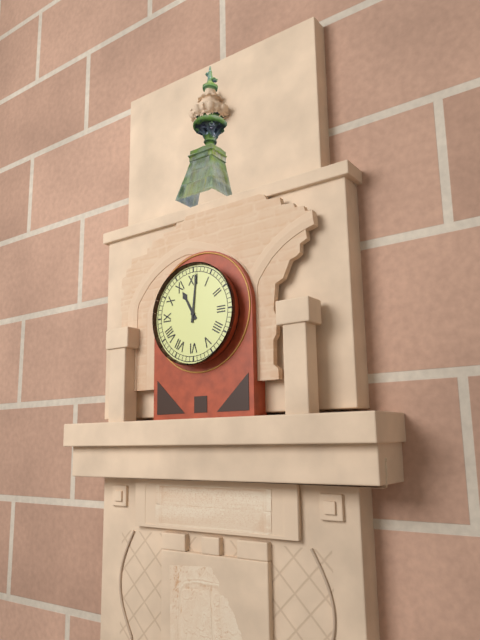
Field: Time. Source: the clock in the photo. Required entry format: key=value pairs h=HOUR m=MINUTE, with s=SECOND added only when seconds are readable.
h=11 m=1
